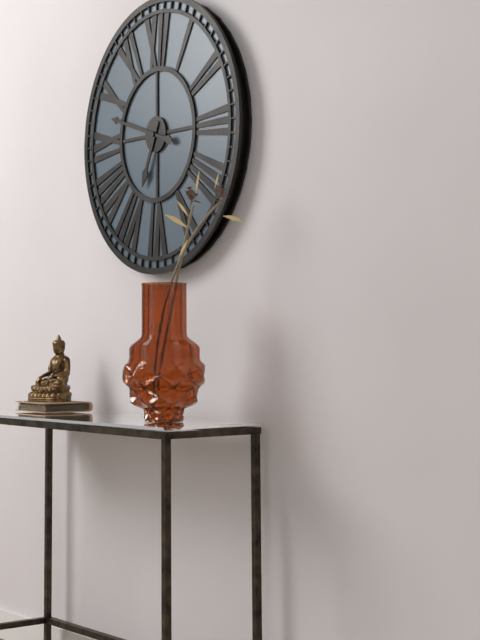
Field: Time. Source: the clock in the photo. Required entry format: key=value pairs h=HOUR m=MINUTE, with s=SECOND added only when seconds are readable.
h=6 m=48
